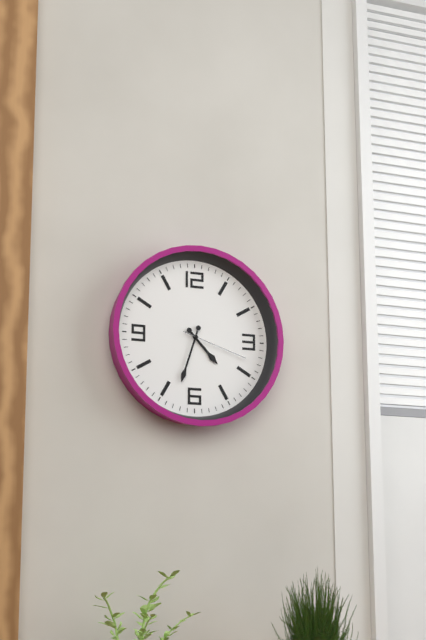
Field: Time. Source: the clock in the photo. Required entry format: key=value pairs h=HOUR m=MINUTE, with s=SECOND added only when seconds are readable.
h=4 m=33 s=18
